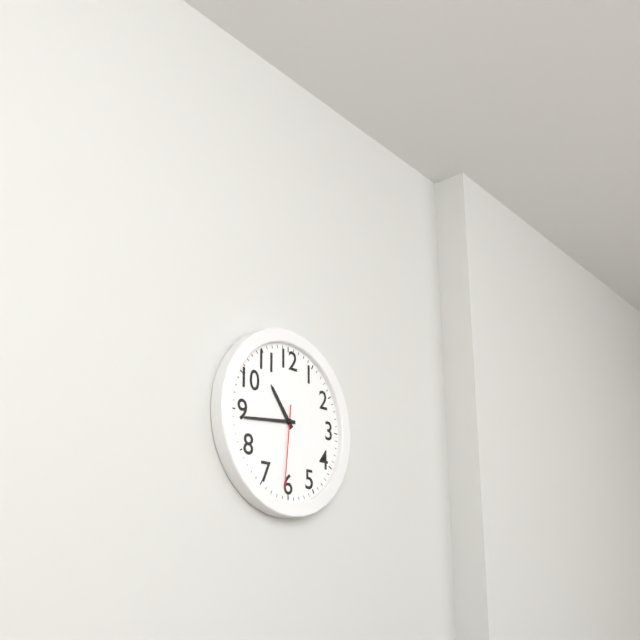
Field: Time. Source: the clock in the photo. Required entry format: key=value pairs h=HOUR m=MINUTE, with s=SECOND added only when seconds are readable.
h=10 m=44 s=31
